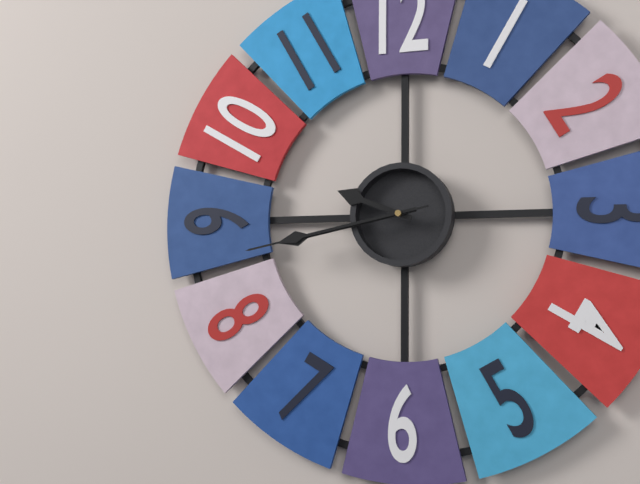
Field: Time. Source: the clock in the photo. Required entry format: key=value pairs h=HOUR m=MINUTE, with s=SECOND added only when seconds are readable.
h=9 m=43 s=43
